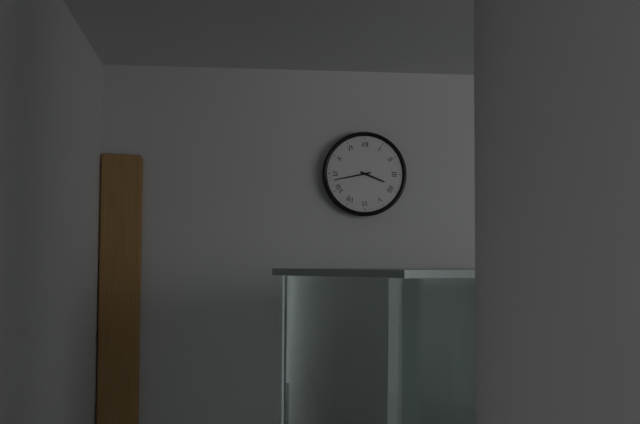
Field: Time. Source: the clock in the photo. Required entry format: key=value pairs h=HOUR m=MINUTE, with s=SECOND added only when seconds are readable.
h=3 m=43
